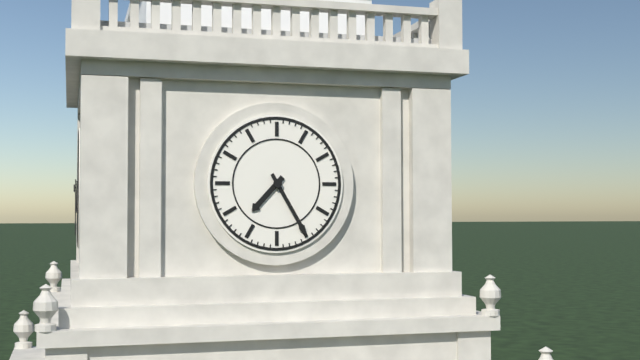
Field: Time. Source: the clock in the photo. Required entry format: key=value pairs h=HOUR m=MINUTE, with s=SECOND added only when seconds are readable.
h=7 m=25
